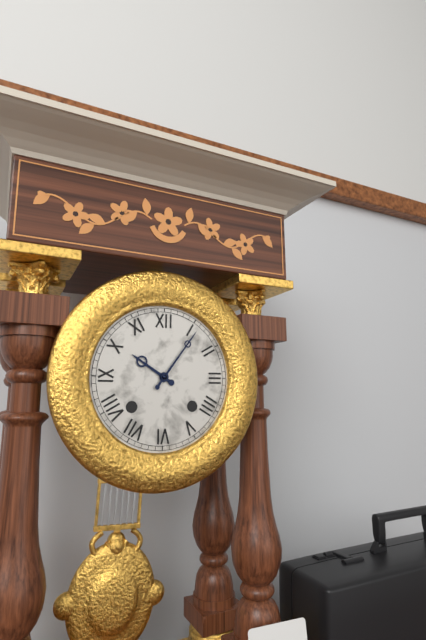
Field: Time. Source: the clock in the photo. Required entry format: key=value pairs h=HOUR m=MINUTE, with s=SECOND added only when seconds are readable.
h=10 m=6
